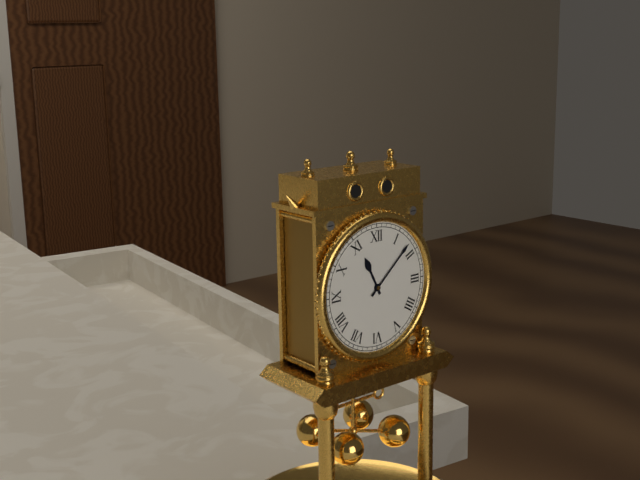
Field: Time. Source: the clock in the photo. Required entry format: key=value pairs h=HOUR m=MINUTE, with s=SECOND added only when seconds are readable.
h=11 m=8
